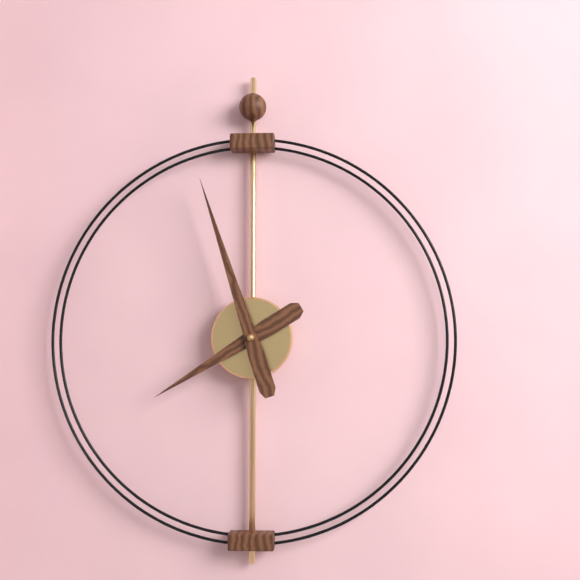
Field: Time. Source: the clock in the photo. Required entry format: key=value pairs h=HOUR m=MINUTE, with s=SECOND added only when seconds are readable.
h=7 m=57
